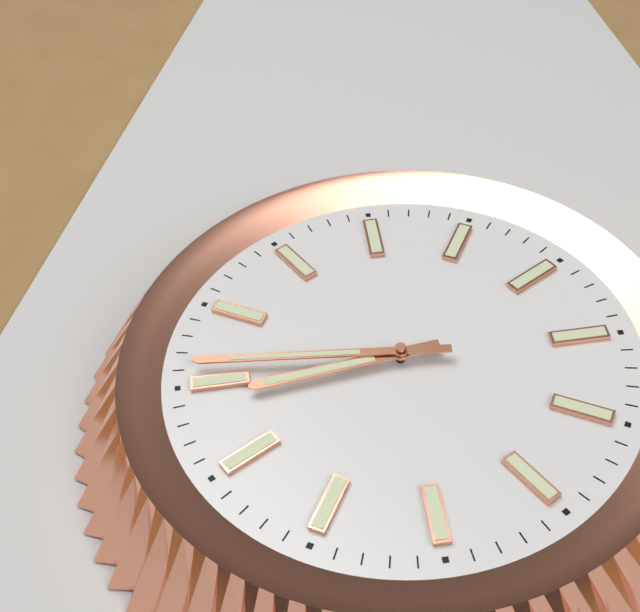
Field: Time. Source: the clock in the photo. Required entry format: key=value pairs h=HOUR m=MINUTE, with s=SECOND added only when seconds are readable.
h=8 m=46
